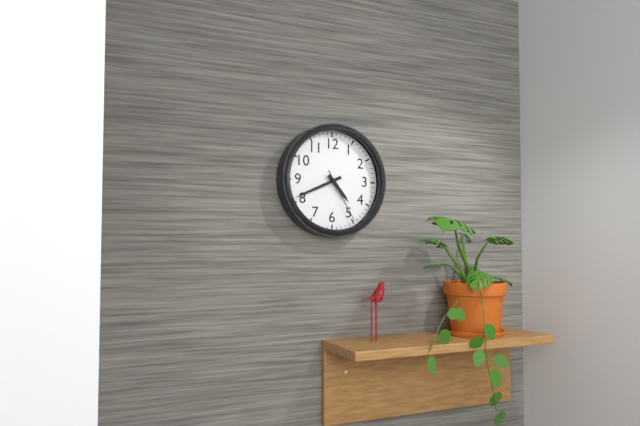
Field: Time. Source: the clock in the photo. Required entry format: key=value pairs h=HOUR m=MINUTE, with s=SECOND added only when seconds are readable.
h=4 m=41 s=25
